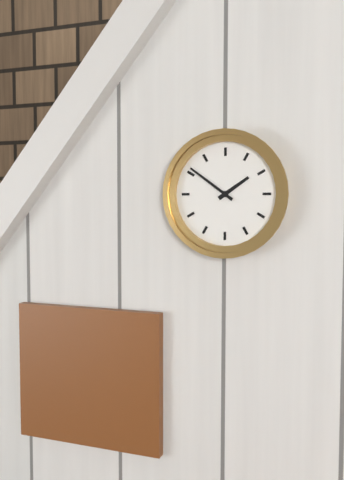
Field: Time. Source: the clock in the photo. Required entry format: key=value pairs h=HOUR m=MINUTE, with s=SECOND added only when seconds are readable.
h=1 m=51
